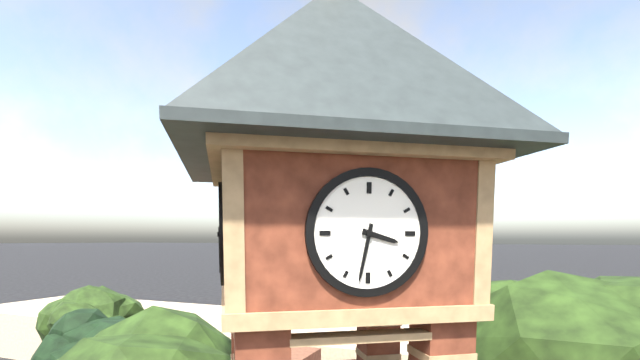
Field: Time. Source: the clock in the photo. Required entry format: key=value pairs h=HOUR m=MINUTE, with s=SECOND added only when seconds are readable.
h=3 m=32
